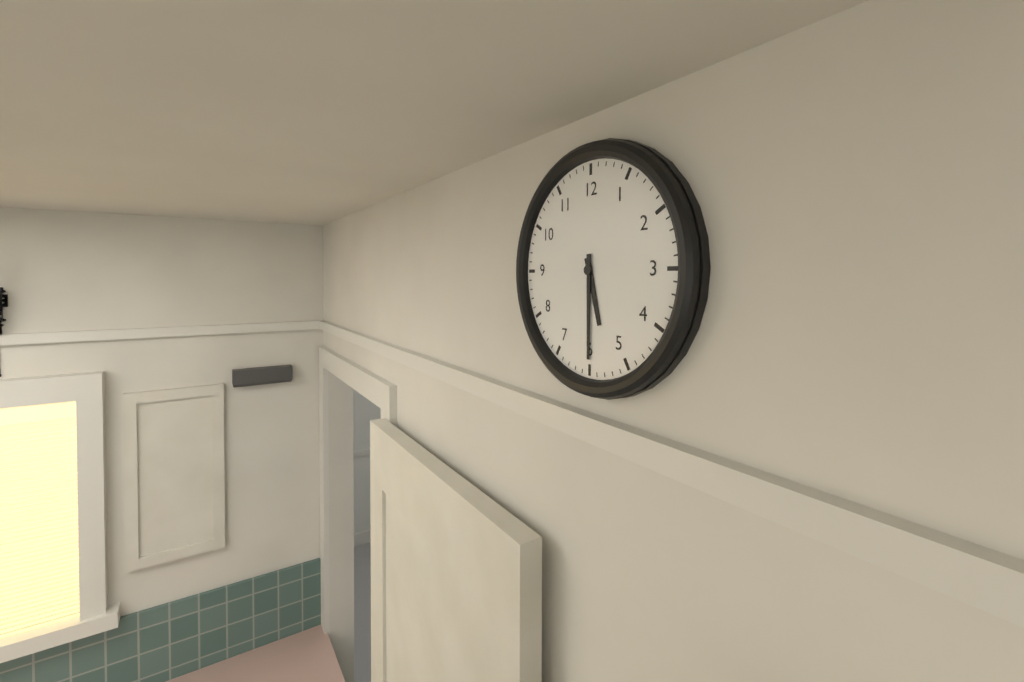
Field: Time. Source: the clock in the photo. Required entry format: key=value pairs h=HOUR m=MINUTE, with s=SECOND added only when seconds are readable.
h=5 m=30
